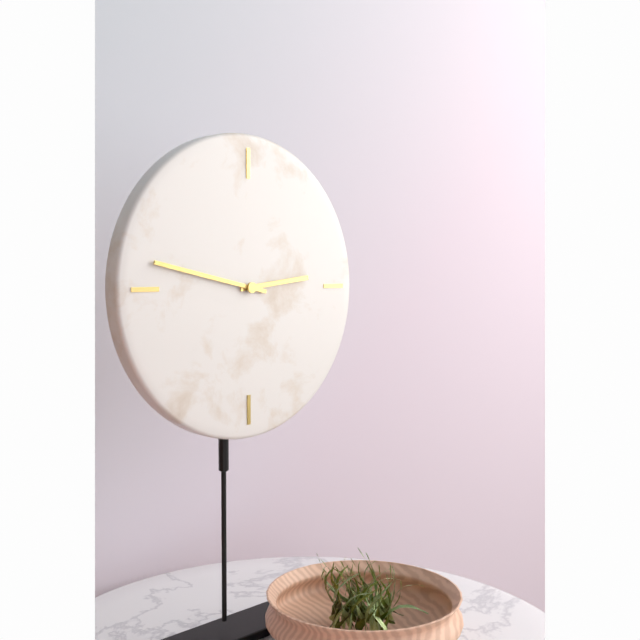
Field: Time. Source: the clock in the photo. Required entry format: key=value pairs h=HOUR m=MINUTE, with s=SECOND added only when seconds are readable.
h=2 m=47
